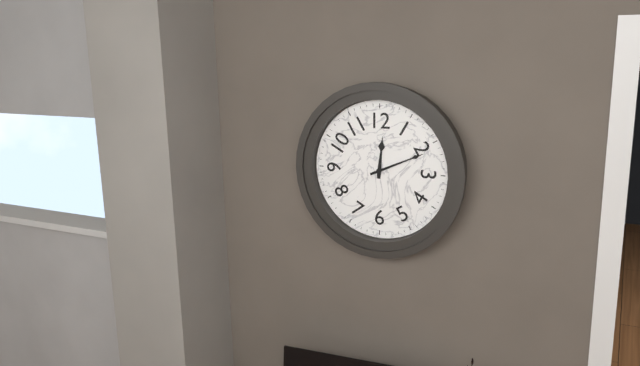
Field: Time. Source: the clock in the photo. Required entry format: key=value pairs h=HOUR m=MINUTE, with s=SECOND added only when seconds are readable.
h=12 m=11
